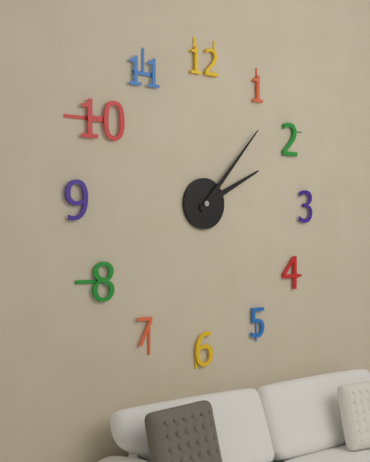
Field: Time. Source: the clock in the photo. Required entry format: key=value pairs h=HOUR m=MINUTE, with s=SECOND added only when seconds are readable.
h=2 m=7
